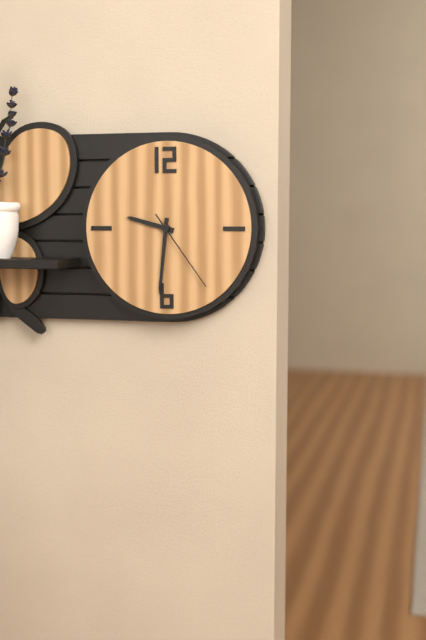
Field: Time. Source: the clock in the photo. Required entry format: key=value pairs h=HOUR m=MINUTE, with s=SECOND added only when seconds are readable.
h=9 m=31 s=24
